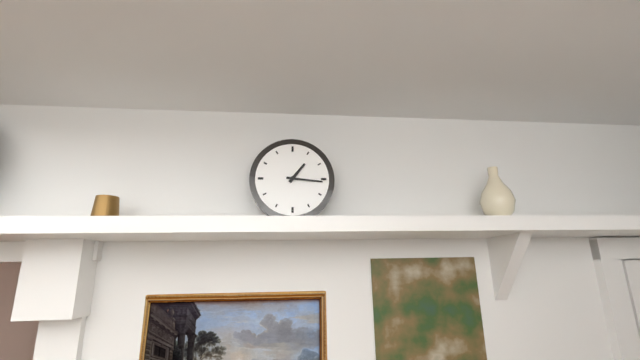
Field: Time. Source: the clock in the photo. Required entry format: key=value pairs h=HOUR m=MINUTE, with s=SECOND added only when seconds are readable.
h=1 m=16
